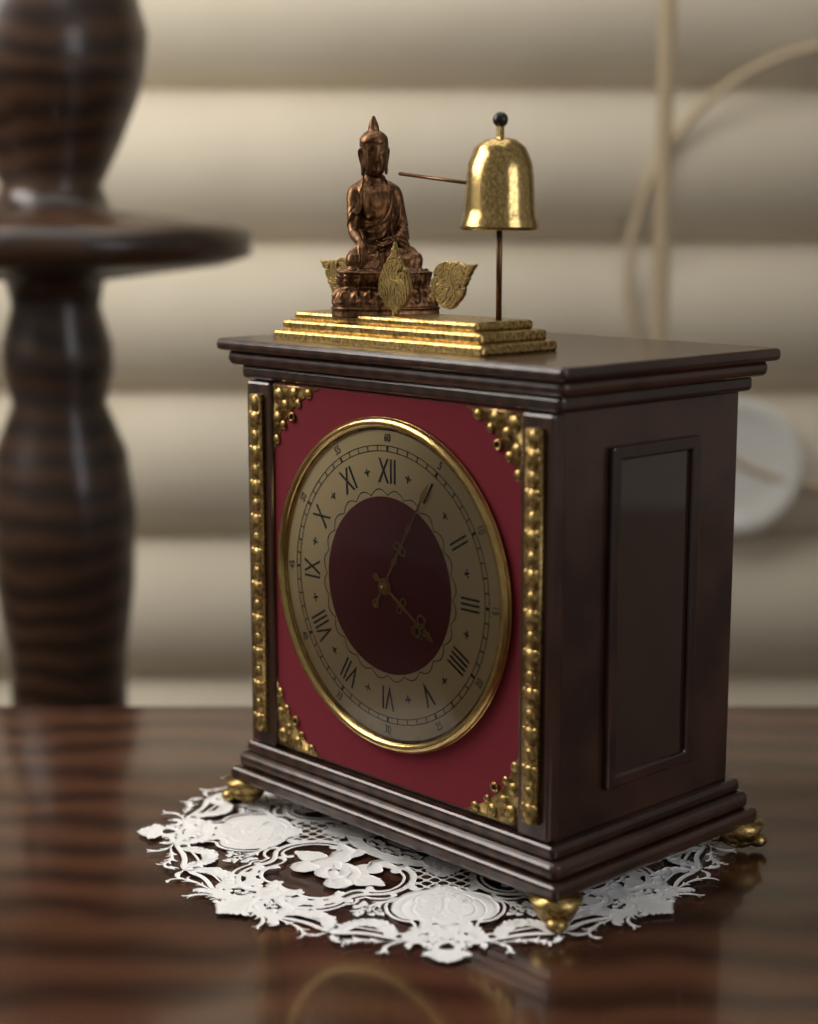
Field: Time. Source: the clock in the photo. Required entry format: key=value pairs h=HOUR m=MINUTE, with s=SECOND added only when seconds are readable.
h=4 m=5
